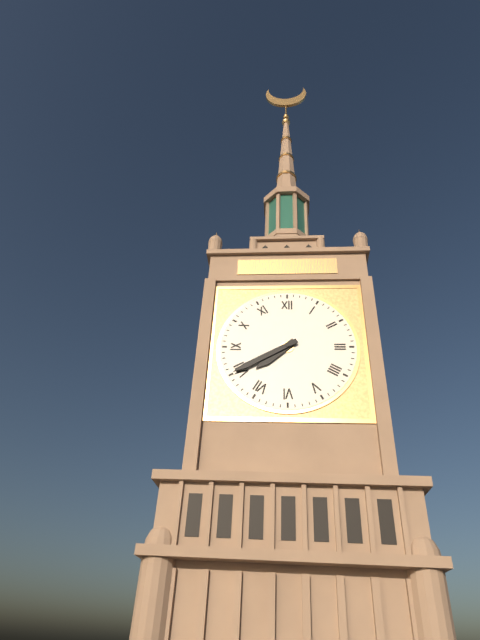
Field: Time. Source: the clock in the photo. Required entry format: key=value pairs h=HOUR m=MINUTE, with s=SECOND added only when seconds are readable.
h=7 m=40
